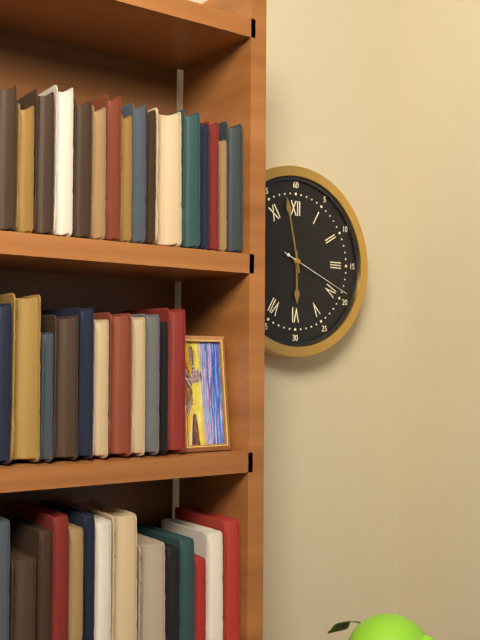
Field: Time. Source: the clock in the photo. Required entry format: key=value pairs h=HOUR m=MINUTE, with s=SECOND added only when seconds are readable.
h=5 m=58 s=19
